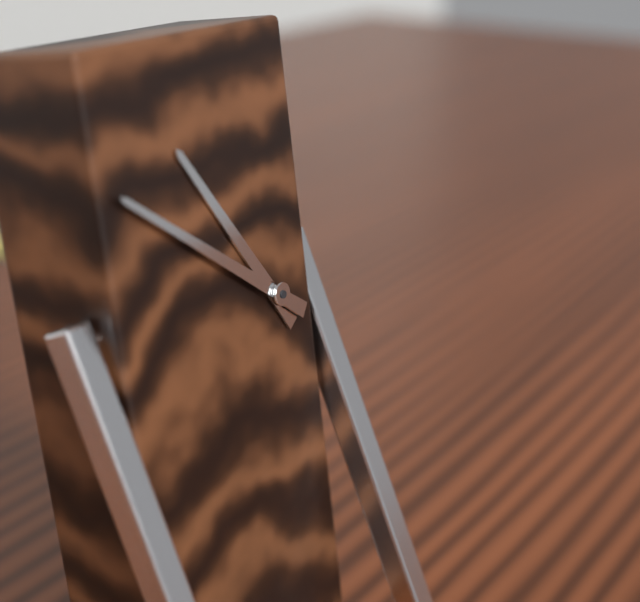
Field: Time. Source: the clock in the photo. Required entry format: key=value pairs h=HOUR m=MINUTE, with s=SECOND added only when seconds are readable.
h=10 m=51
